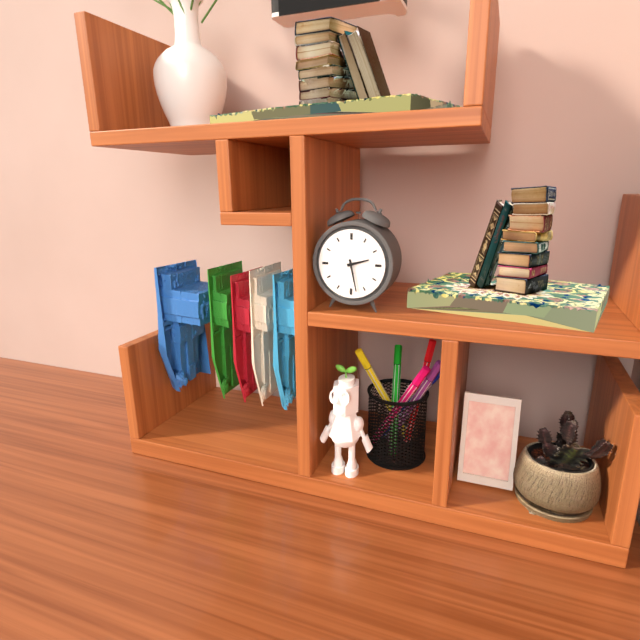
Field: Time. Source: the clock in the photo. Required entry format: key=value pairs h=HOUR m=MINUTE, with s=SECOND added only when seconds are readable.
h=2 m=28
